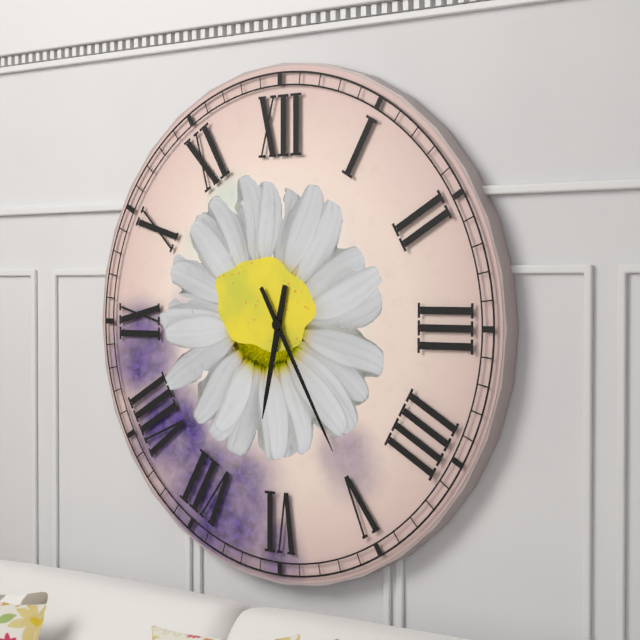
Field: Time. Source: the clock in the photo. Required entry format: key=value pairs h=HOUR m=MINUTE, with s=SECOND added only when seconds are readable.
h=6 m=25
